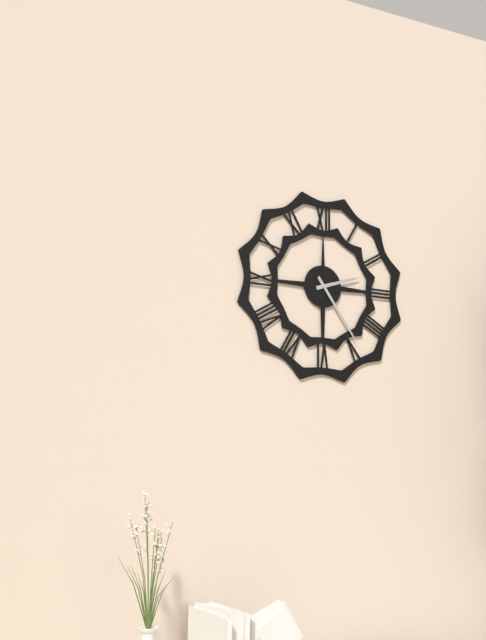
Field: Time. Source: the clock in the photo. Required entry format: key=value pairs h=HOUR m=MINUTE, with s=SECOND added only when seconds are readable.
h=2 m=24
